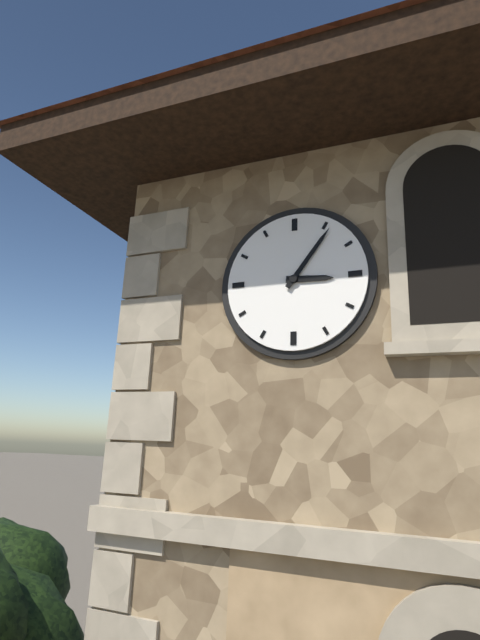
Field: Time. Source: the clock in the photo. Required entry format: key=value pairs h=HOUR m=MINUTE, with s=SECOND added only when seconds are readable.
h=3 m=6
